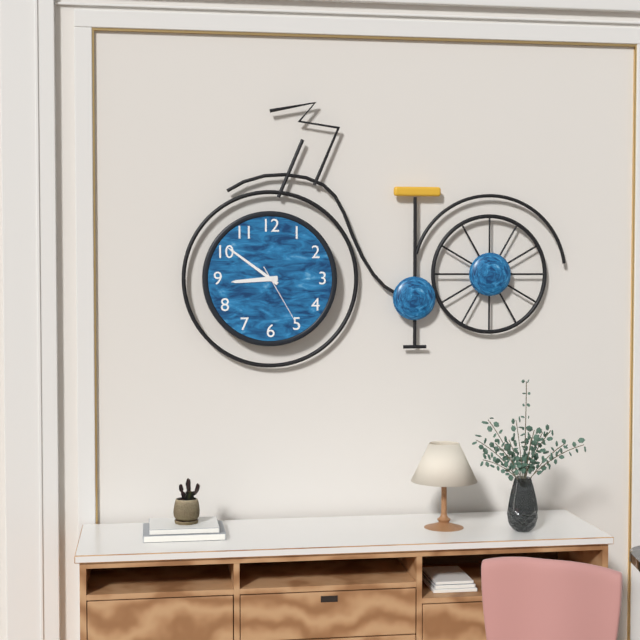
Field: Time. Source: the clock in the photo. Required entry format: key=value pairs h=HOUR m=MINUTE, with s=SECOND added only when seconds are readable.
h=8 m=51 s=25
